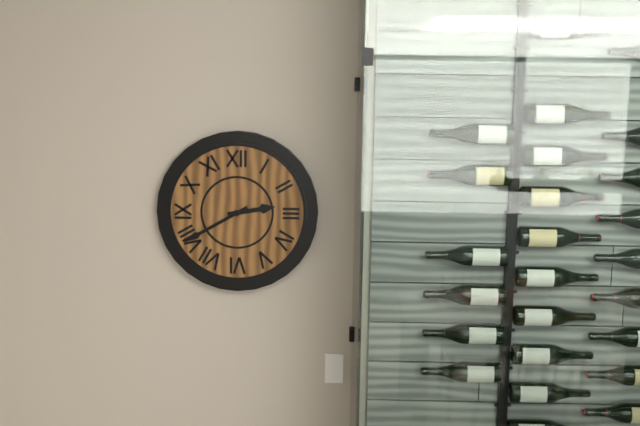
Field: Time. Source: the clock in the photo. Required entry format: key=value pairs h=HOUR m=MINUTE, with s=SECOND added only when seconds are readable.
h=2 m=40
